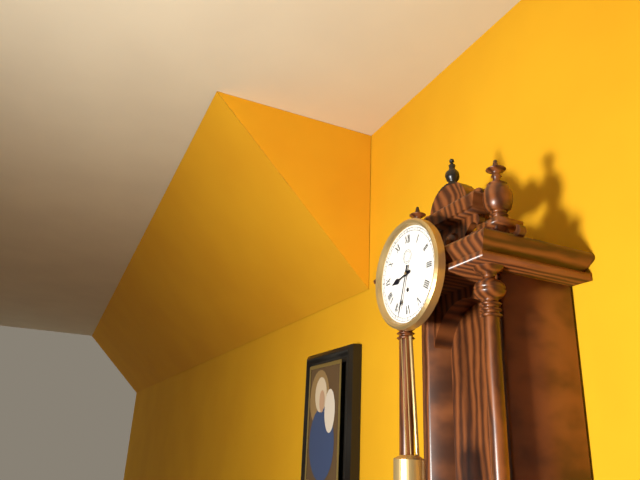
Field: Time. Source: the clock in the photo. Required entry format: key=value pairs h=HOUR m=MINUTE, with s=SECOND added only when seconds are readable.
h=8 m=33
